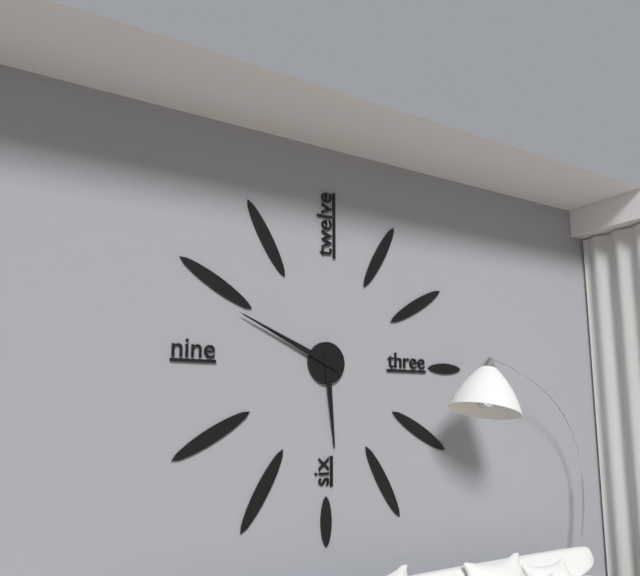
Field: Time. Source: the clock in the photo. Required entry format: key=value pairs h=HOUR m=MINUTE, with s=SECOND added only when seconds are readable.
h=5 m=49
